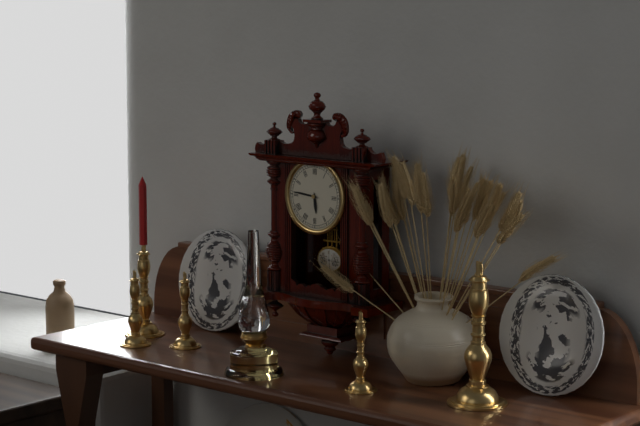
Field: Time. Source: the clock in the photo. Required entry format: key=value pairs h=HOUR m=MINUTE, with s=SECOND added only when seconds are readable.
h=5 m=46
